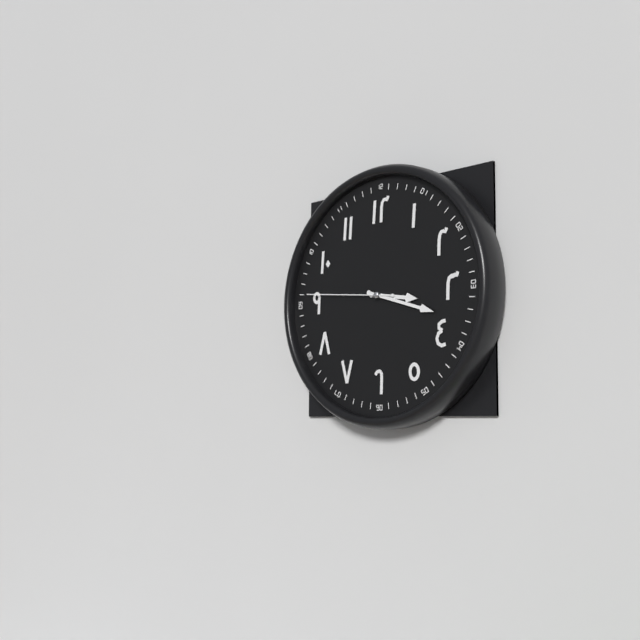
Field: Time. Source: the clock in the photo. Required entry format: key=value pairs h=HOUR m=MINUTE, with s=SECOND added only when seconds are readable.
h=3 m=18 s=46
